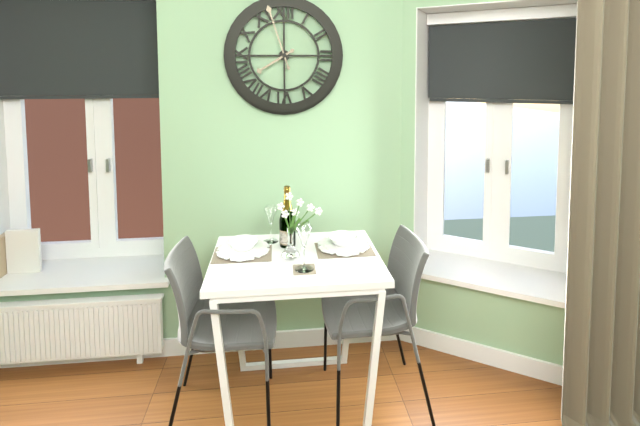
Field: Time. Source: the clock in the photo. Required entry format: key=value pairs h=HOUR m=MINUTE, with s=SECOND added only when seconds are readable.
h=7 m=57
